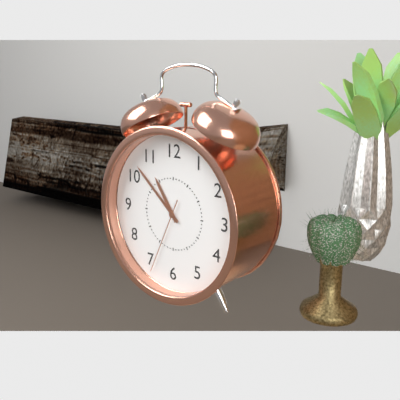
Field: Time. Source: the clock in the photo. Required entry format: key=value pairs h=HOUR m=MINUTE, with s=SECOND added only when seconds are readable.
h=10 m=52 s=34
